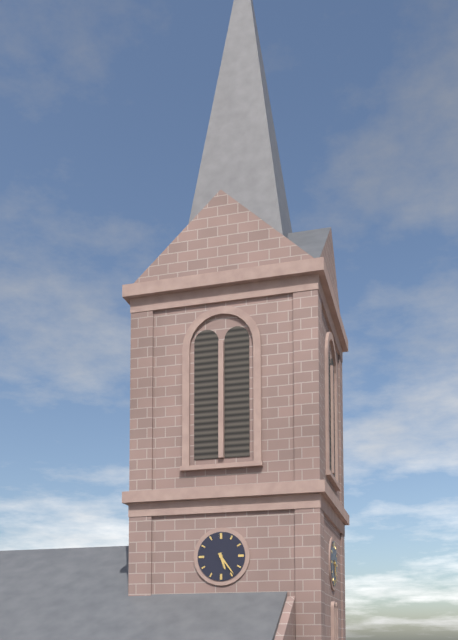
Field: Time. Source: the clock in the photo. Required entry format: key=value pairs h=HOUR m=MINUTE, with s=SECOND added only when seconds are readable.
h=5 m=24
